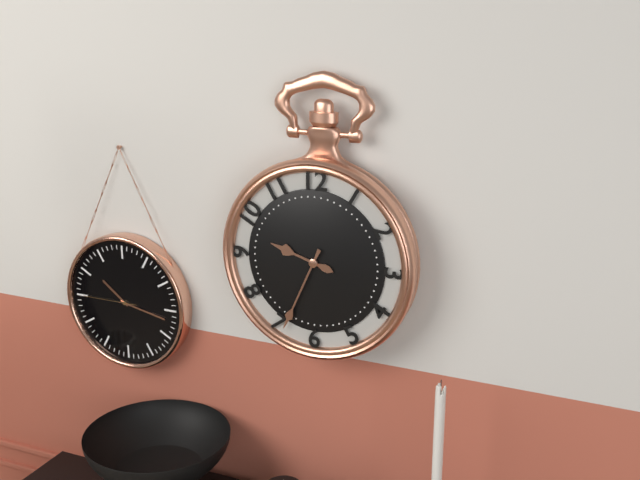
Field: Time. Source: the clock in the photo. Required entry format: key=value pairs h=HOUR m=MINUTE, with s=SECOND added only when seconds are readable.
h=9 m=34
